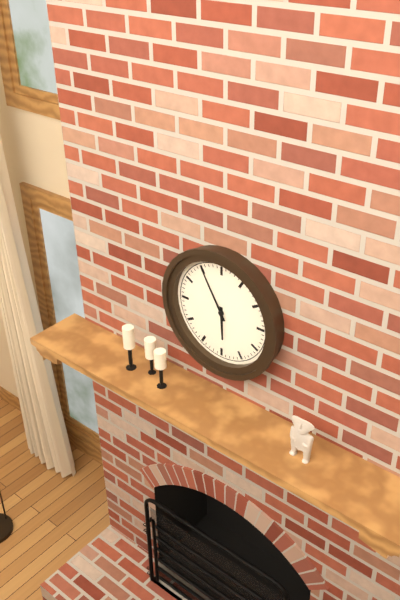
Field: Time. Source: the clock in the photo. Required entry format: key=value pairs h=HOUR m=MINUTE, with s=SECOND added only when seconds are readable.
h=5 m=55
